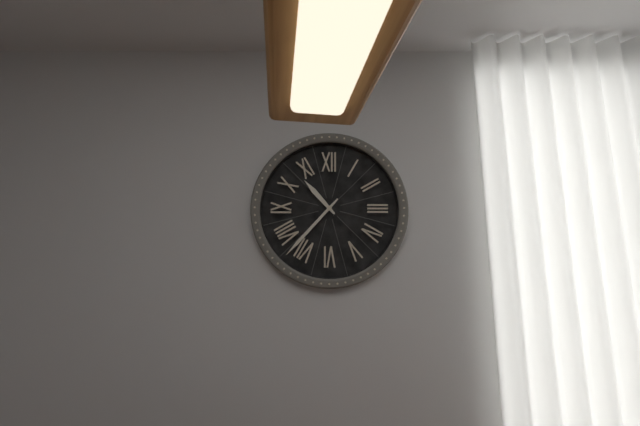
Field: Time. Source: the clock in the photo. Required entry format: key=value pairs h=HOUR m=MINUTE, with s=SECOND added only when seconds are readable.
h=10 m=37
